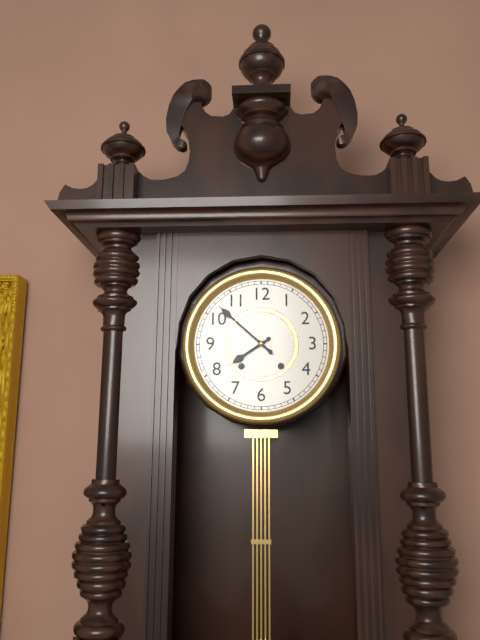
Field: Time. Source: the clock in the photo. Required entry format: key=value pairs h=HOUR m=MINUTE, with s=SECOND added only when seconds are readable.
h=7 m=52
